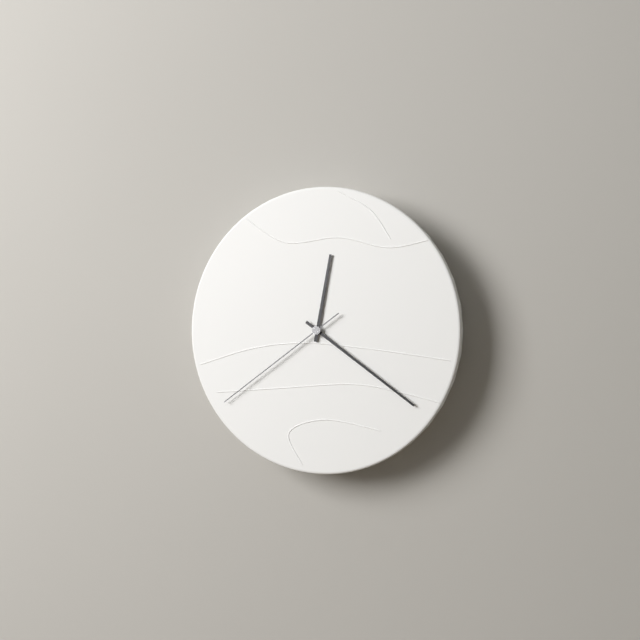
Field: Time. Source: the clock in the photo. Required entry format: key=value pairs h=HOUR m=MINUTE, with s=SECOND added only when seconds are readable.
h=12 m=21 s=39
